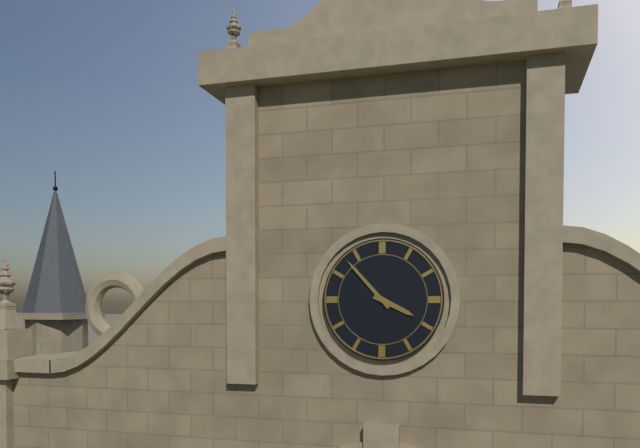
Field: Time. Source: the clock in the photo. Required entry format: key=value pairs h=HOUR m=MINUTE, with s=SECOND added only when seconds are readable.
h=3 m=53
